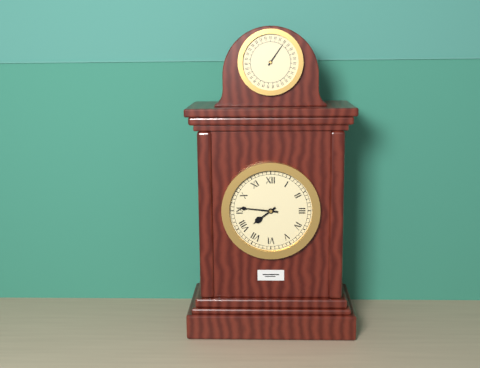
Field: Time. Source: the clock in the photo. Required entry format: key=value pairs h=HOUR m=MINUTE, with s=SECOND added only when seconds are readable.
h=7 m=46
